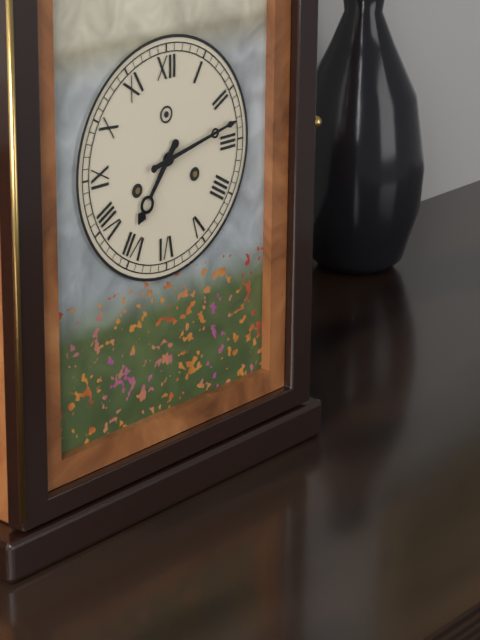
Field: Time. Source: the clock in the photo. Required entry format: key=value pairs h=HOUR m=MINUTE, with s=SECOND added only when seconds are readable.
h=7 m=13
